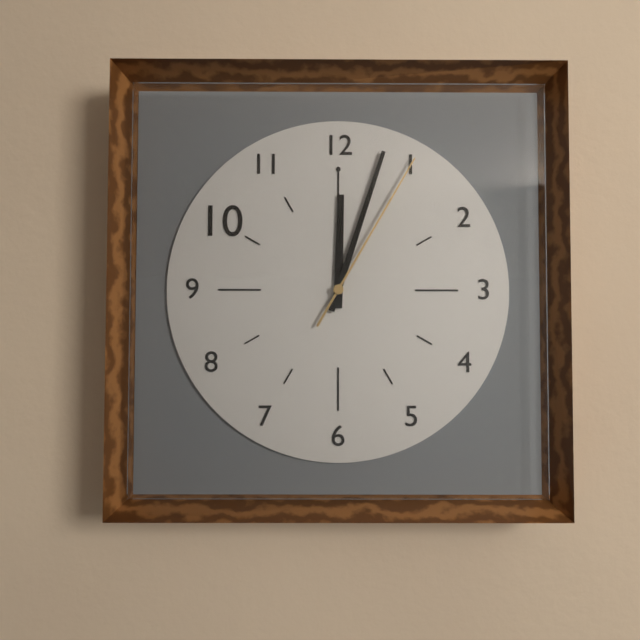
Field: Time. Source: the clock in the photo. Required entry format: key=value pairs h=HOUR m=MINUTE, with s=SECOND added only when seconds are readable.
h=12 m=3 s=5
